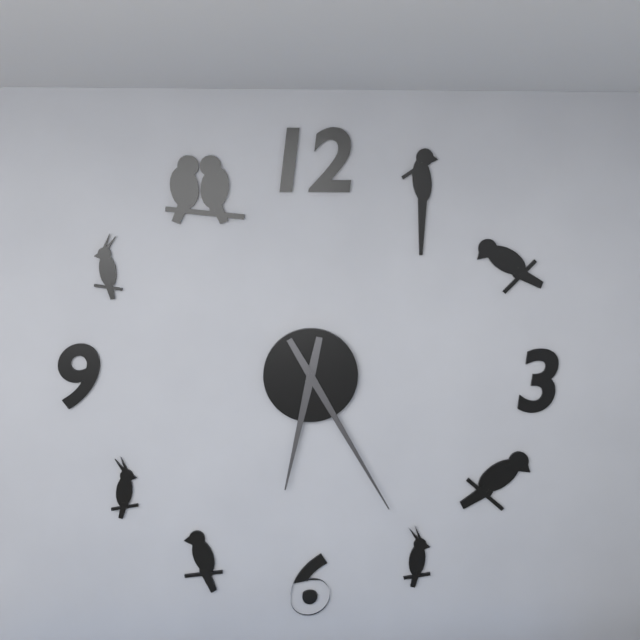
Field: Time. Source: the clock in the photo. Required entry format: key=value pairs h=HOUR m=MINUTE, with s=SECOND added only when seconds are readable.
h=6 m=25
